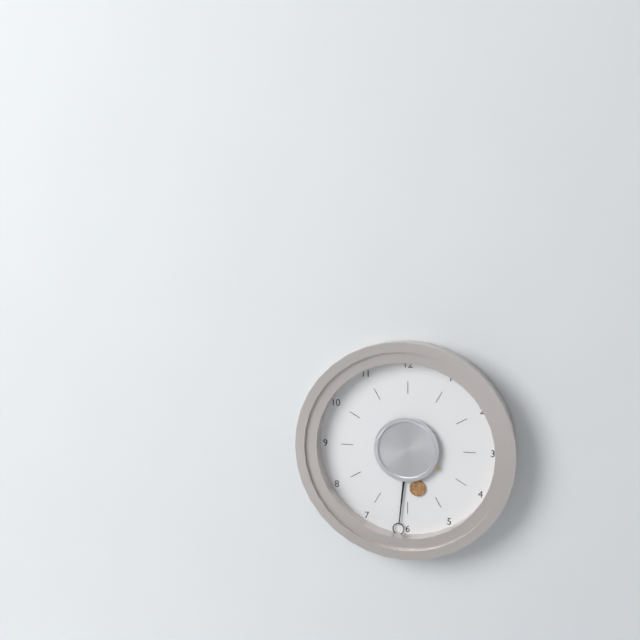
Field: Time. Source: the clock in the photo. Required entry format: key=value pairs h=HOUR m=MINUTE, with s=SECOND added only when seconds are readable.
h=5 m=31
